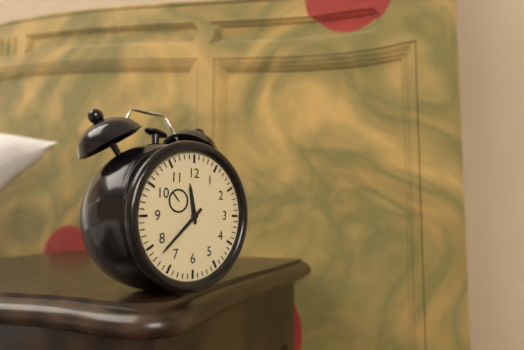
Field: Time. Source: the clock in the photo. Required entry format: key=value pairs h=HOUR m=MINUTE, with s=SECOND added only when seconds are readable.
h=11 m=38
